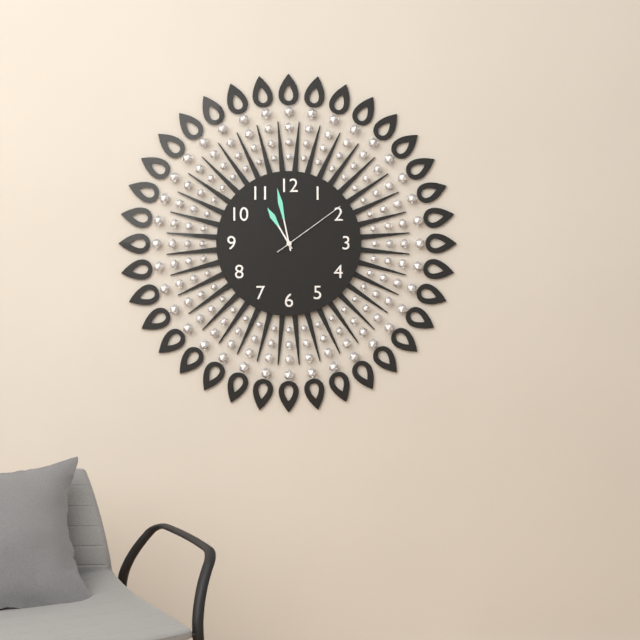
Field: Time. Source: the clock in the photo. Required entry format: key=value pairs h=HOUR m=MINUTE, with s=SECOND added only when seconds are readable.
h=10 m=58 s=9
